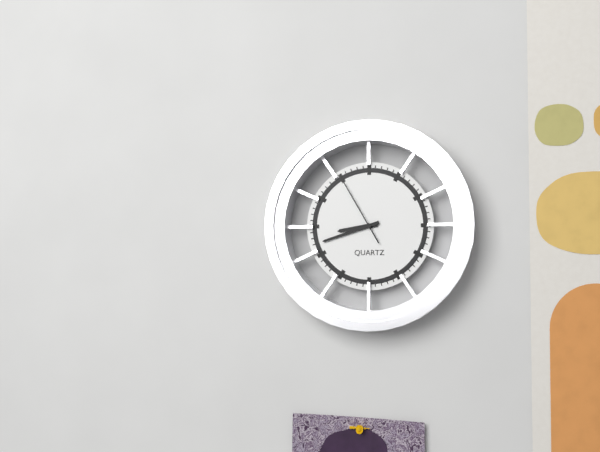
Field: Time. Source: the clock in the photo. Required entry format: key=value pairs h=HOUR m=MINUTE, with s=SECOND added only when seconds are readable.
h=8 m=42 s=55
